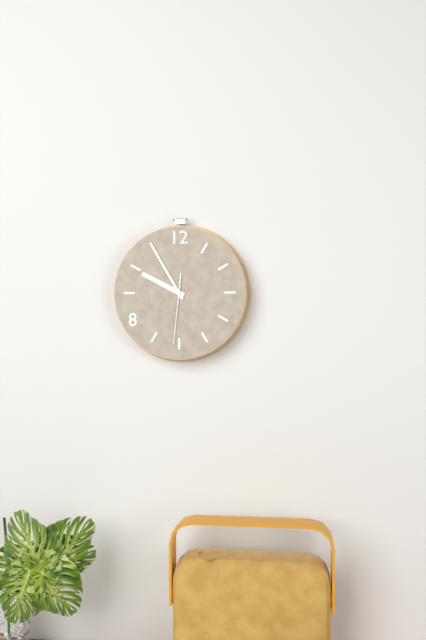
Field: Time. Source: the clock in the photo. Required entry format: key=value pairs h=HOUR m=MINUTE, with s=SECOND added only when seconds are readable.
h=9 m=55 s=31
